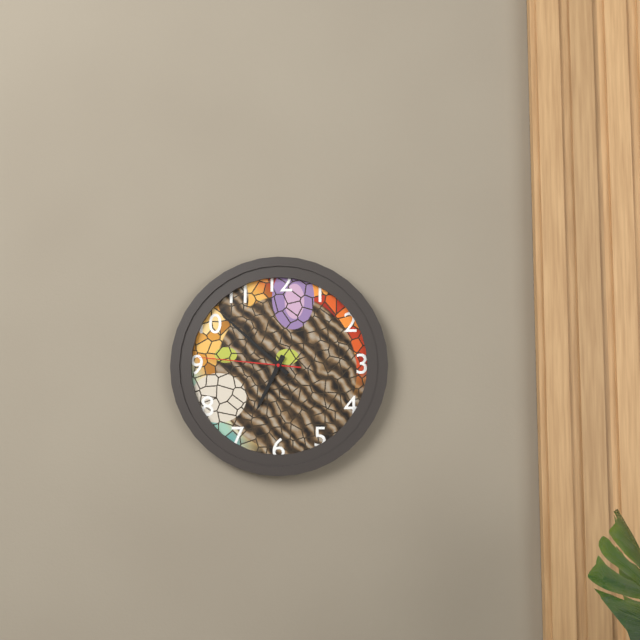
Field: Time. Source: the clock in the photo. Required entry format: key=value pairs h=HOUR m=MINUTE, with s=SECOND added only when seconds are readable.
h=6 m=52 s=46
